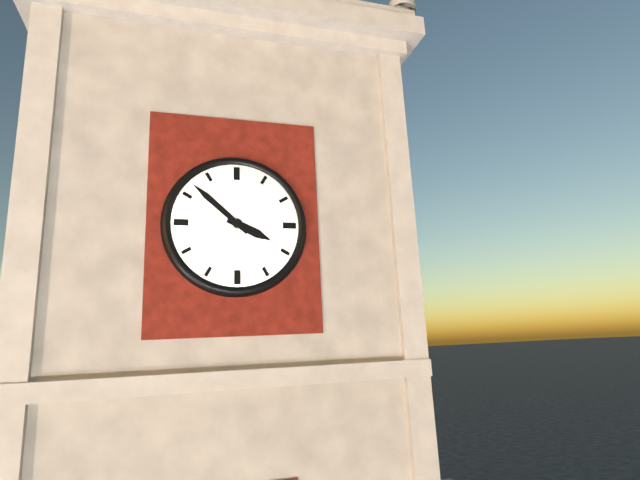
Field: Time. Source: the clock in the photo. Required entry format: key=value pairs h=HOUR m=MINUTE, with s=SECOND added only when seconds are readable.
h=3 m=52
